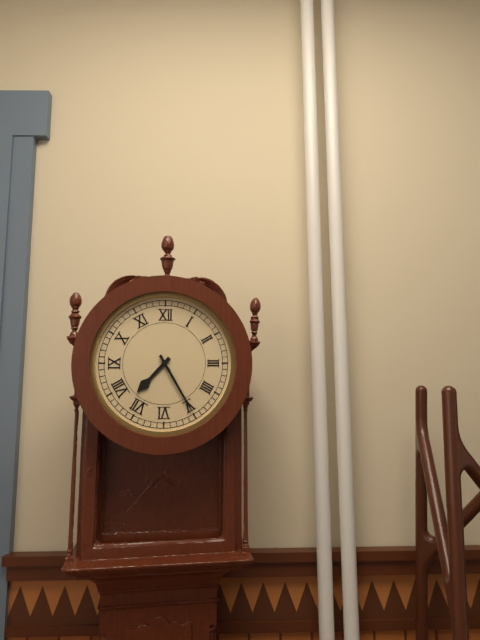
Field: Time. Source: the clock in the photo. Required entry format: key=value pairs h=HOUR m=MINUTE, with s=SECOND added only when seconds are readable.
h=7 m=25
